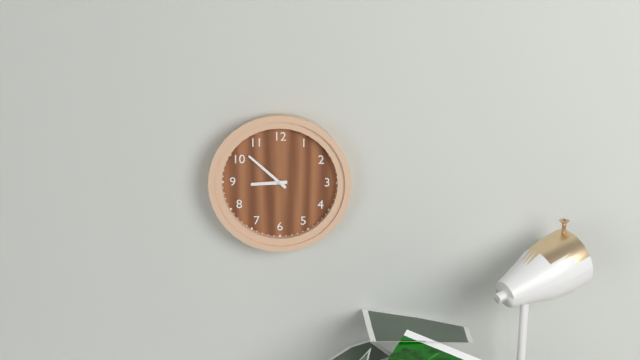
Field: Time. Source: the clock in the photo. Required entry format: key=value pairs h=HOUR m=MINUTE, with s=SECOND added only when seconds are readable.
h=8 m=52
